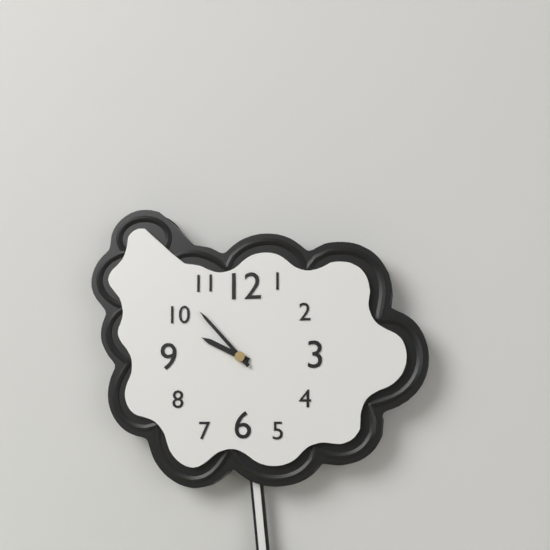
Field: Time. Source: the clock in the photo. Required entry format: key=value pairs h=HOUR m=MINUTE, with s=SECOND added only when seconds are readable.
h=9 m=53
